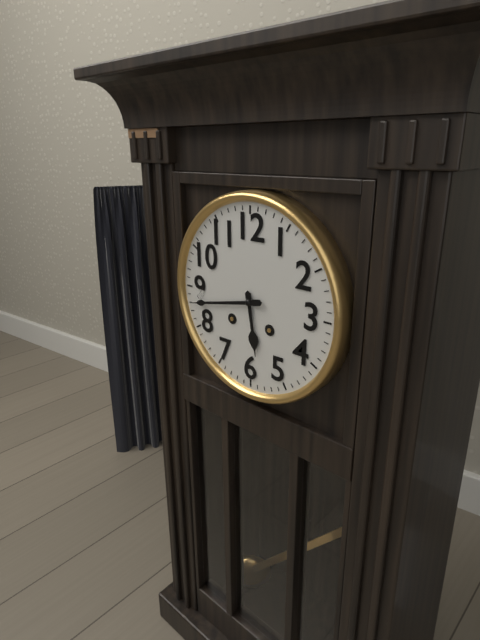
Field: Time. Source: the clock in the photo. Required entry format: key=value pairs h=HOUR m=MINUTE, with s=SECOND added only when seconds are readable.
h=5 m=43
